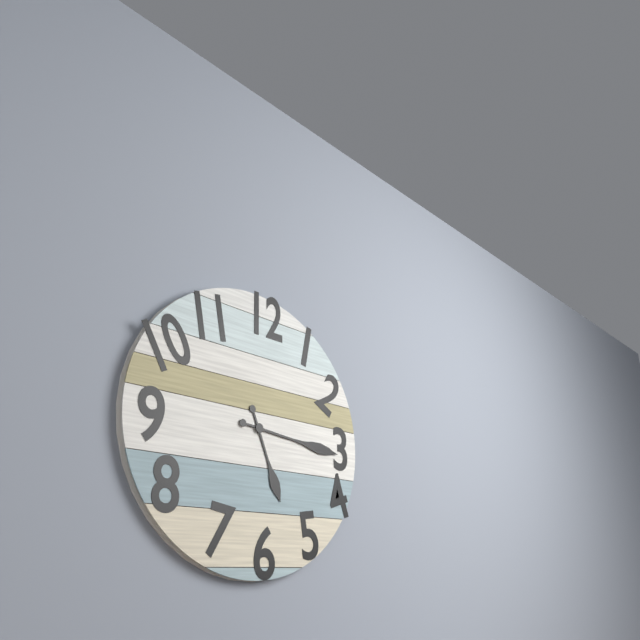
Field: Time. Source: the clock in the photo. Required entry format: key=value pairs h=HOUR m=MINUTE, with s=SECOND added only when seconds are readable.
h=5 m=16
